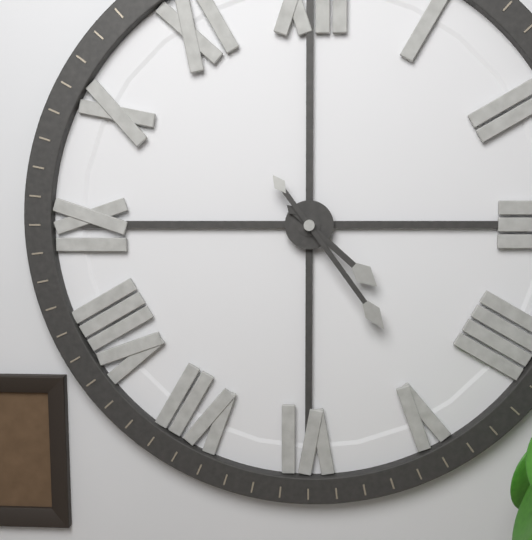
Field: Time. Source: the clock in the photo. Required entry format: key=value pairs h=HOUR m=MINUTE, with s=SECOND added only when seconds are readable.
h=4 m=24
